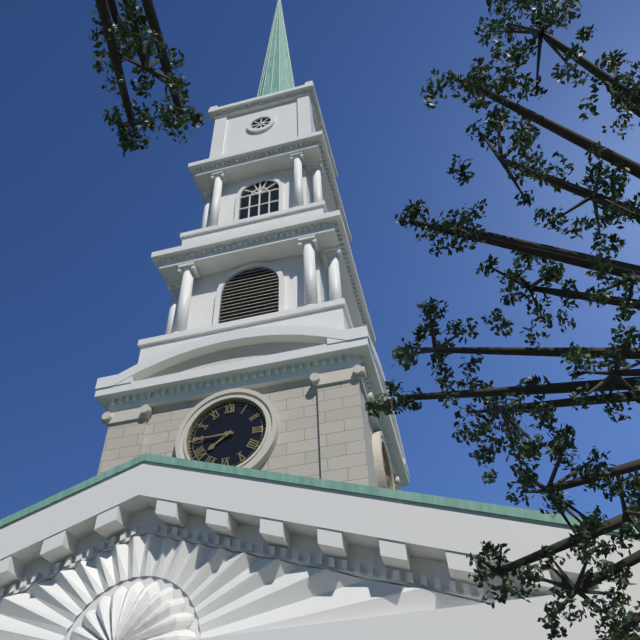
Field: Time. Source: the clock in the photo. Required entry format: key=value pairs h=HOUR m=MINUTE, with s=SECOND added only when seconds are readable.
h=7 m=45
